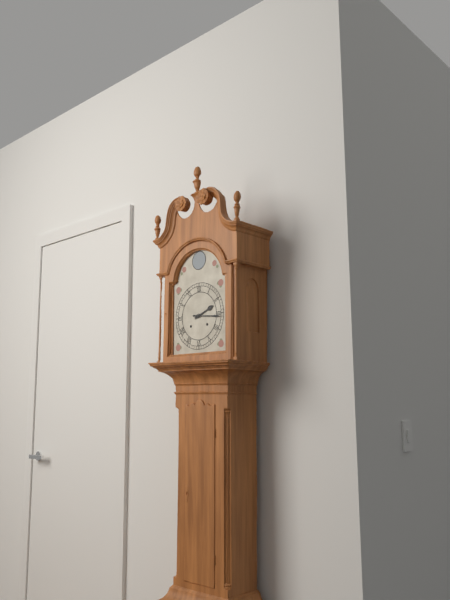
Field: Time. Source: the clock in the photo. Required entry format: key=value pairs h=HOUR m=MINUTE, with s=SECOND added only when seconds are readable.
h=2 m=16
